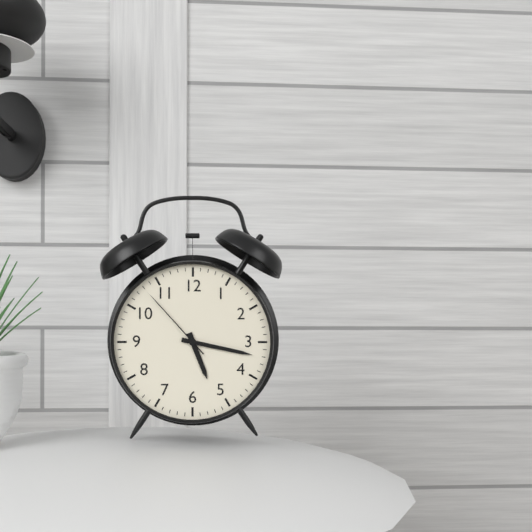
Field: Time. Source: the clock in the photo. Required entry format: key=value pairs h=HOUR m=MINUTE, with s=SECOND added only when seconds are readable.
h=5 m=17 s=53
